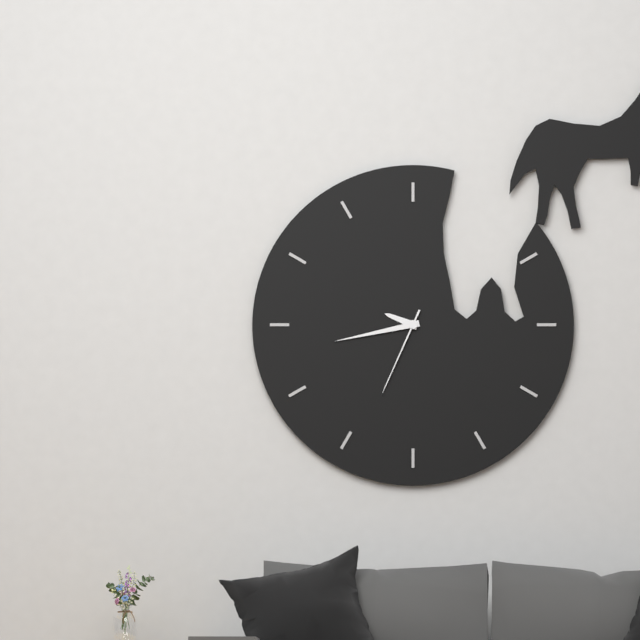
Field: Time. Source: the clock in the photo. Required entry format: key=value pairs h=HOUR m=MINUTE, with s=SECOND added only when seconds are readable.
h=9 m=43 s=34
